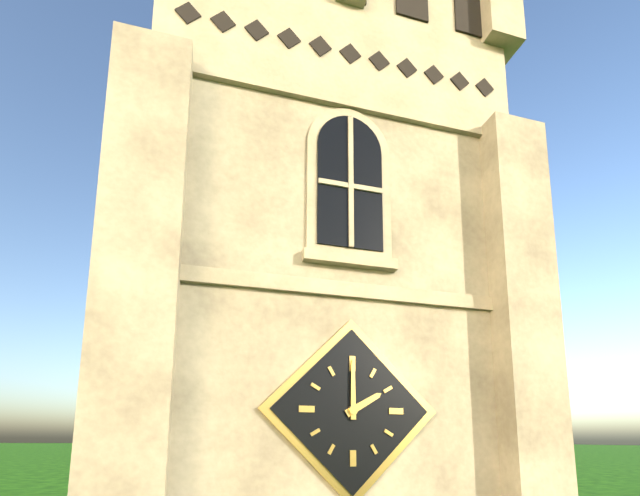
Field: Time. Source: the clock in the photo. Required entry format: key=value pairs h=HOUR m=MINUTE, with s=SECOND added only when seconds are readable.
h=2 m=0
